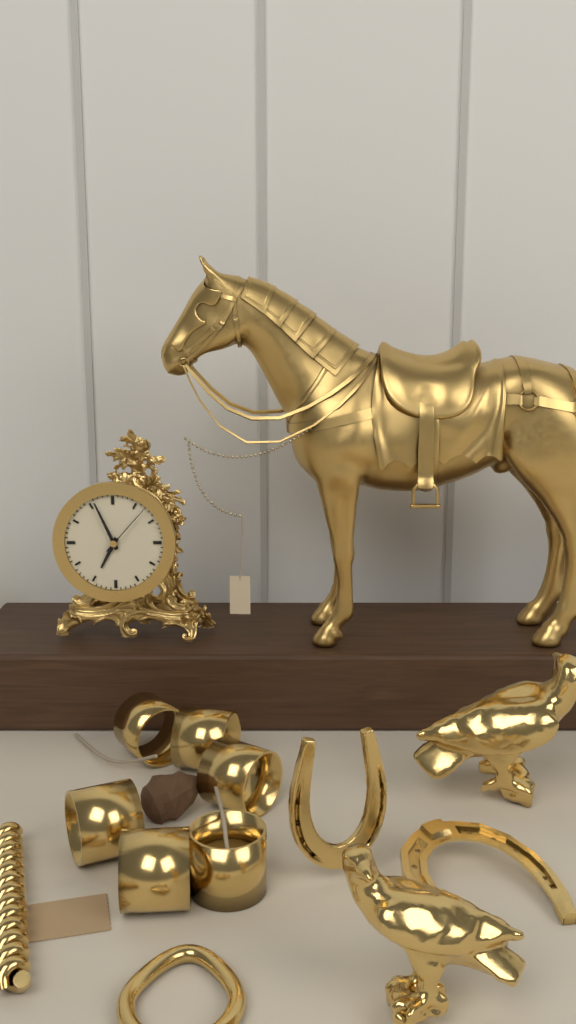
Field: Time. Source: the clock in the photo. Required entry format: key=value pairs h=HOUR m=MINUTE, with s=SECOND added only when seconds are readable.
h=6 m=56 s=7
